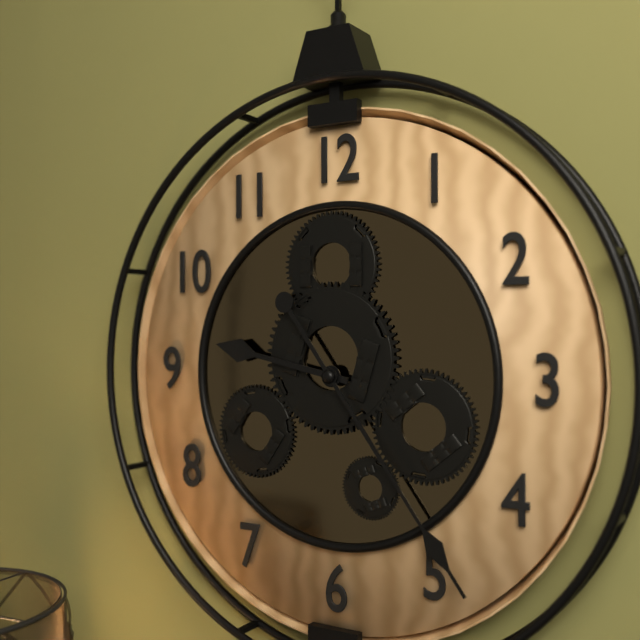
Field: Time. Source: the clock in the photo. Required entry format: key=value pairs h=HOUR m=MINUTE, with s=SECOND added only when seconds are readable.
h=9 m=24
